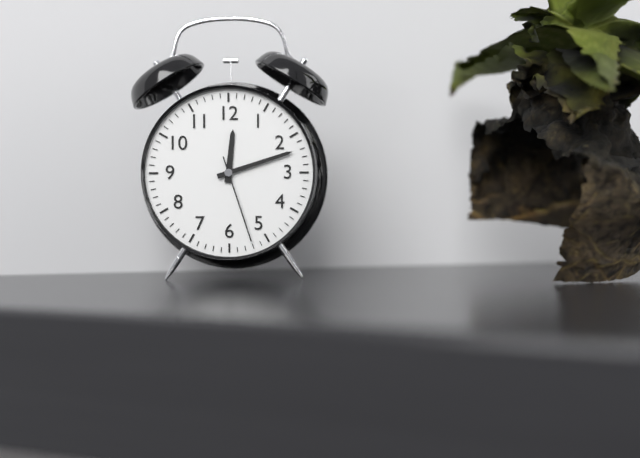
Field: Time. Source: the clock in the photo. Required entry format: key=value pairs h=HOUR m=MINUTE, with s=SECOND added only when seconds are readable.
h=12 m=12 s=27
